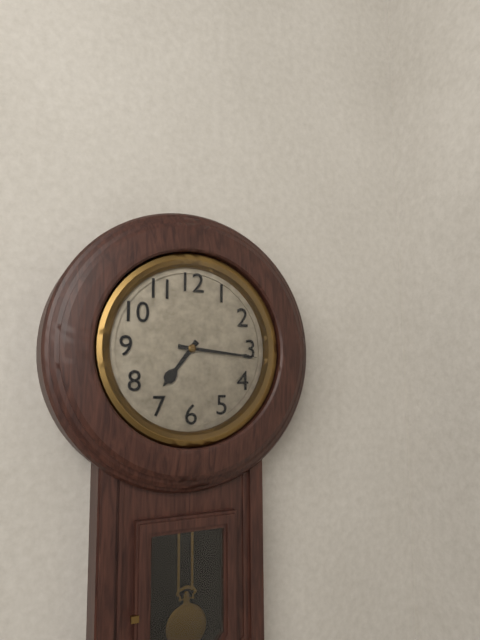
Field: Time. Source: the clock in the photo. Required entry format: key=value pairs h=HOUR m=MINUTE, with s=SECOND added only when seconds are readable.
h=7 m=16
